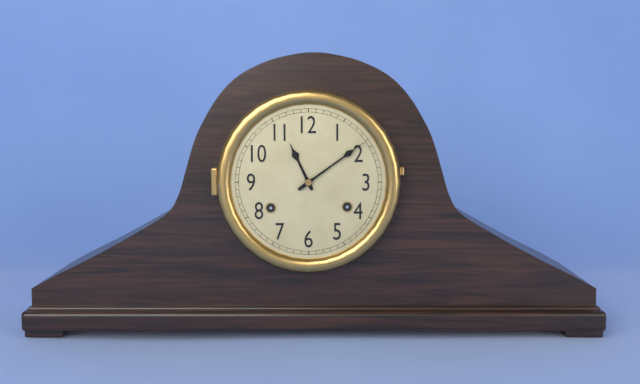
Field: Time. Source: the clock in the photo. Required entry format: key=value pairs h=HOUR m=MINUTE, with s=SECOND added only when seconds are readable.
h=11 m=9
